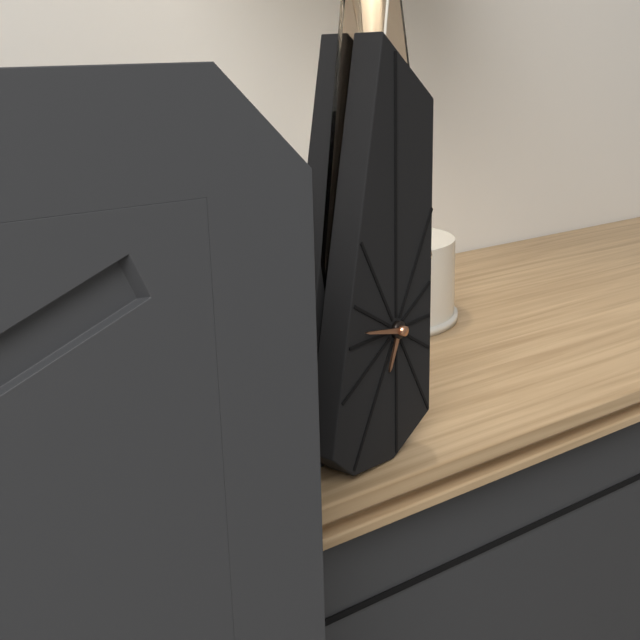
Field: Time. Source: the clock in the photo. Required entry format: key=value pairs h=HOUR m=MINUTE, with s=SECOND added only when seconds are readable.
h=6 m=47
